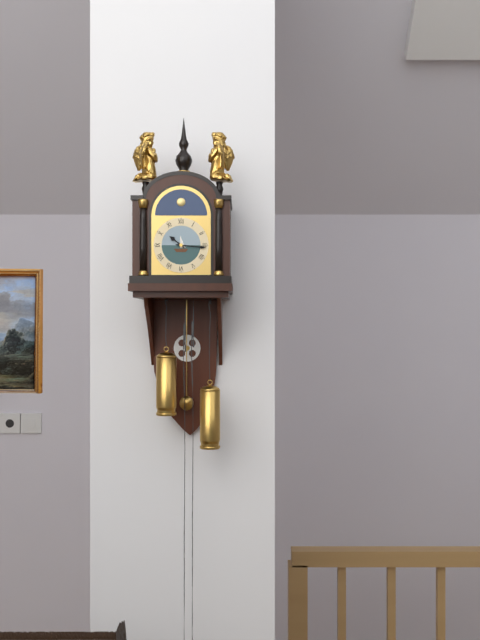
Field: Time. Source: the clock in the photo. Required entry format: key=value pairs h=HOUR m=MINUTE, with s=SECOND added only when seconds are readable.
h=10 m=16
